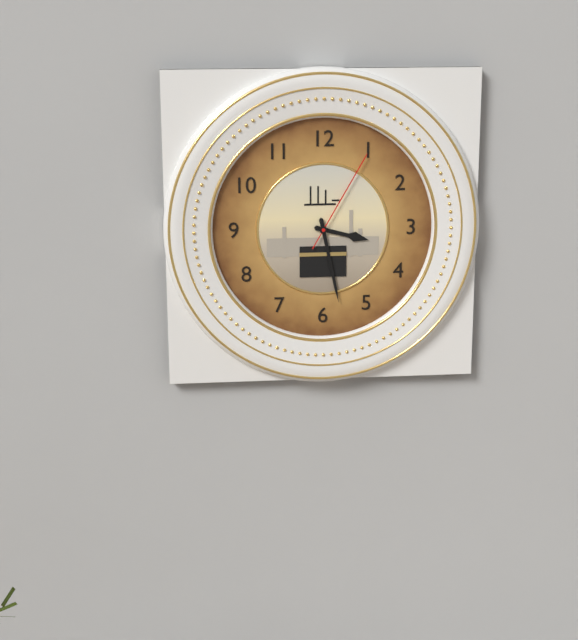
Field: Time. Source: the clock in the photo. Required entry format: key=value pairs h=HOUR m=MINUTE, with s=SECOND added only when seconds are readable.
h=3 m=28 s=5
